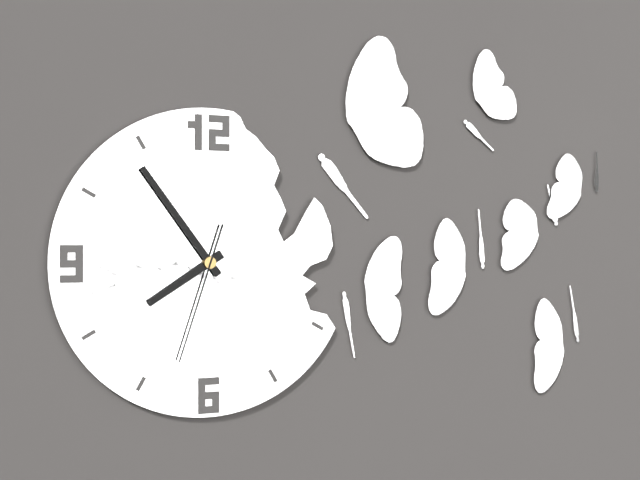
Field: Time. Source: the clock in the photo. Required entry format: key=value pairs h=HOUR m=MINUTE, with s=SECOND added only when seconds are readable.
h=7 m=54 s=33
